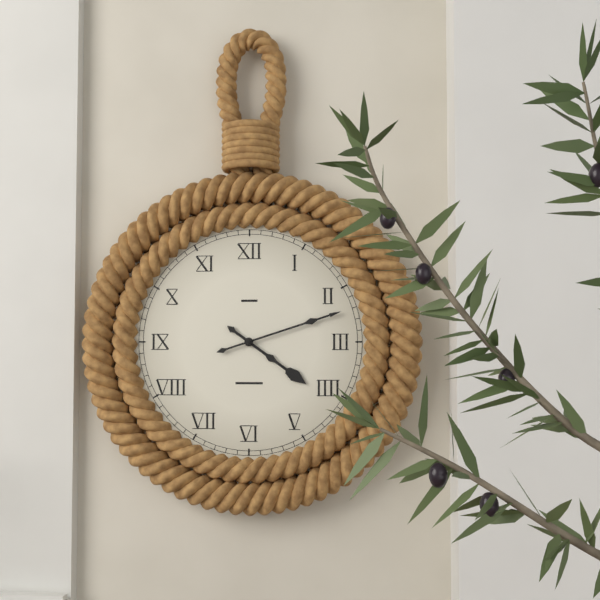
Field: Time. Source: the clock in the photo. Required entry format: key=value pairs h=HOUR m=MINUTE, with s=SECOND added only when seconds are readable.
h=4 m=12
